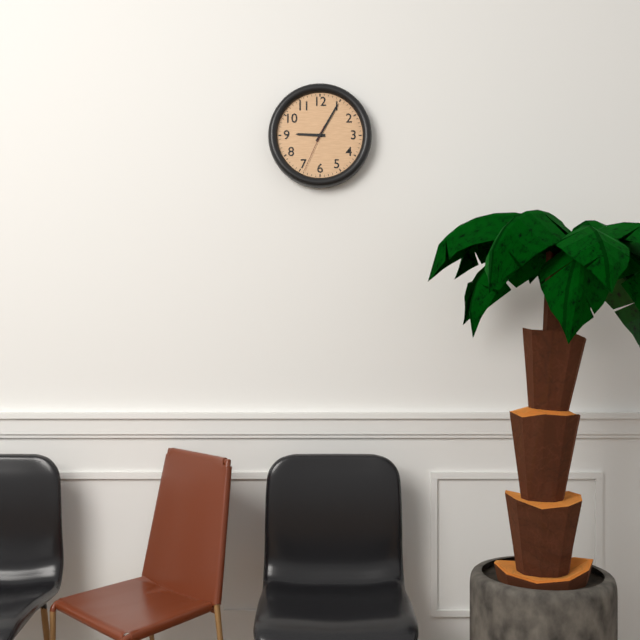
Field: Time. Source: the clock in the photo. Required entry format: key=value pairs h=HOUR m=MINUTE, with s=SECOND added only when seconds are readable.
h=9 m=5
